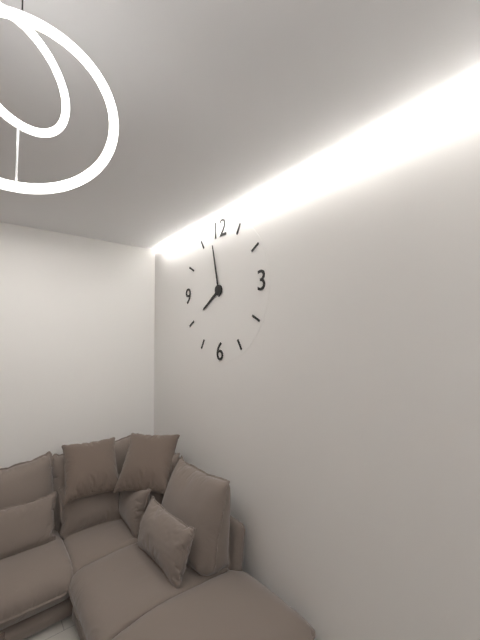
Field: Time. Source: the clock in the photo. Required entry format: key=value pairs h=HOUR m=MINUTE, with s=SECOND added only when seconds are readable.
h=7 m=58
